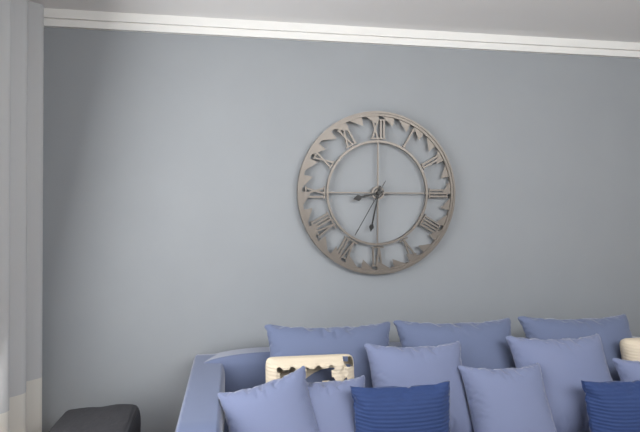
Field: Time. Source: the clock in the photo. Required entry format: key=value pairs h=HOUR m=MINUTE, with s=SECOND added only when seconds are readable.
h=8 m=32 s=35
